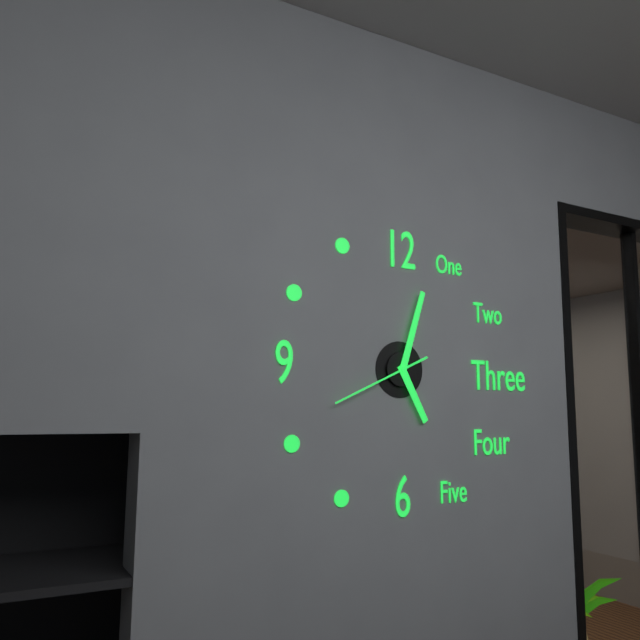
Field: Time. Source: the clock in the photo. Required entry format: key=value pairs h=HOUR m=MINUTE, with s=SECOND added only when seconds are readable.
h=5 m=3 s=41
